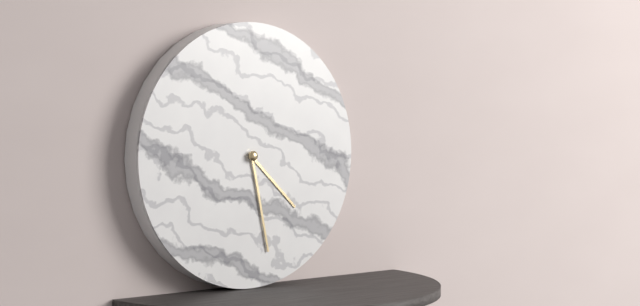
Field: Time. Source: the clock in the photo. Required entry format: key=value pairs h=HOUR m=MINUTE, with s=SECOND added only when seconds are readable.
h=4 m=28
